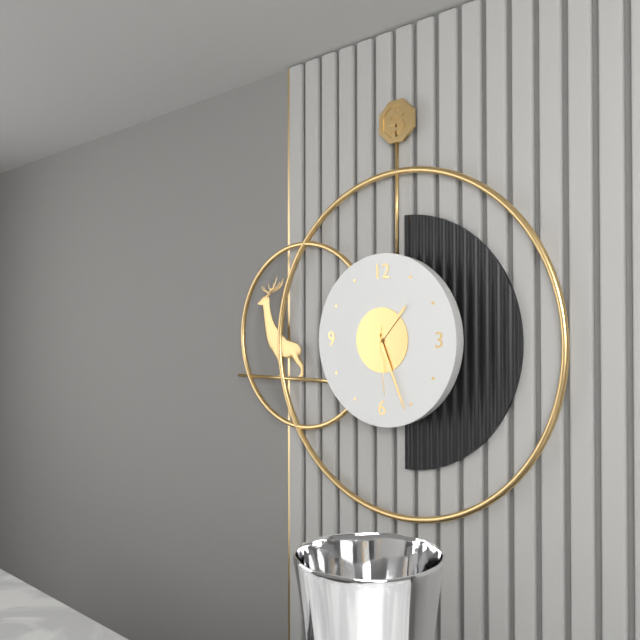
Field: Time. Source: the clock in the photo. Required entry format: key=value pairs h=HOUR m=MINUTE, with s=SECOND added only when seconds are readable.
h=1 m=26 s=29
